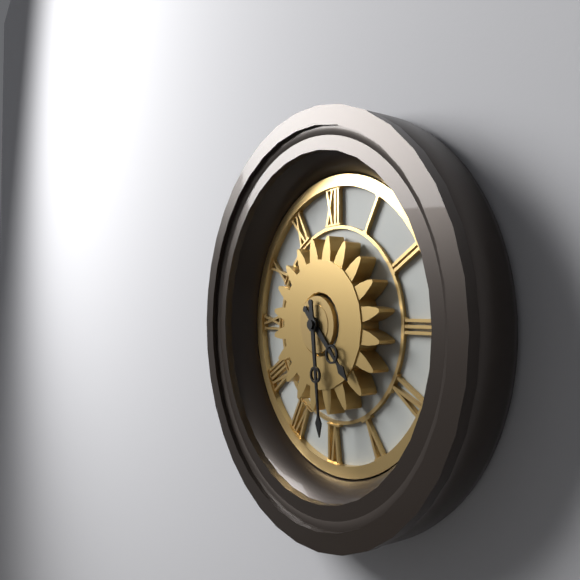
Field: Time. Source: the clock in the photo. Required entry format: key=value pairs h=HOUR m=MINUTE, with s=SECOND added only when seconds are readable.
h=4 m=29
